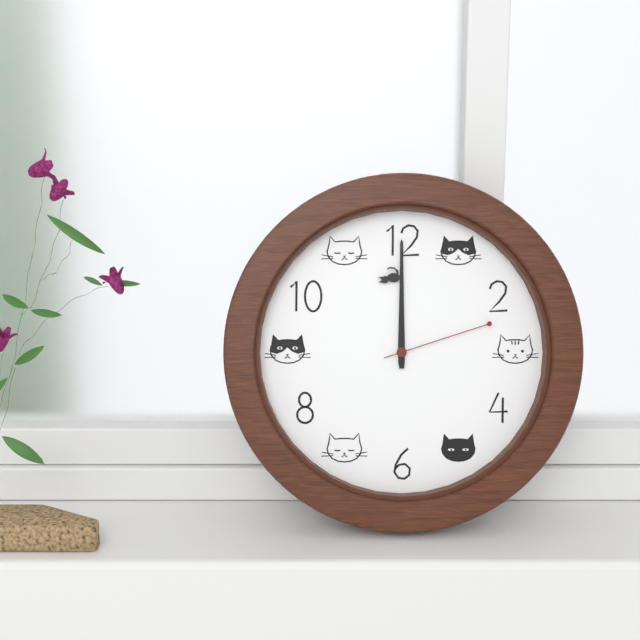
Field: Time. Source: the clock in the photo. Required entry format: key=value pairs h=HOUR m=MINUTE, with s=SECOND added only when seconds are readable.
h=12 m=0 s=12
